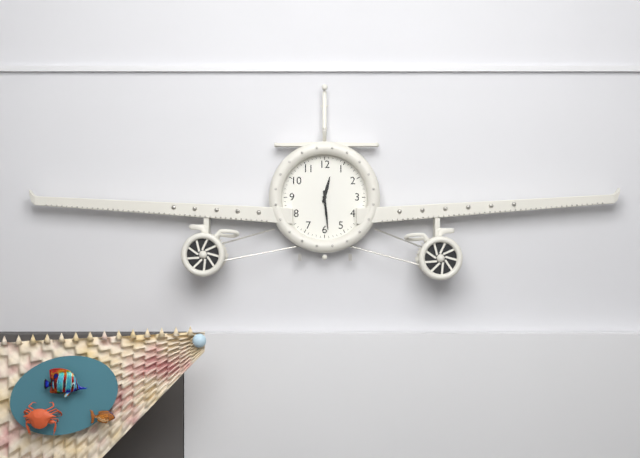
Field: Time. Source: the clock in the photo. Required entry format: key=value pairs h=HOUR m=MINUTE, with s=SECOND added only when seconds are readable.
h=12 m=29
